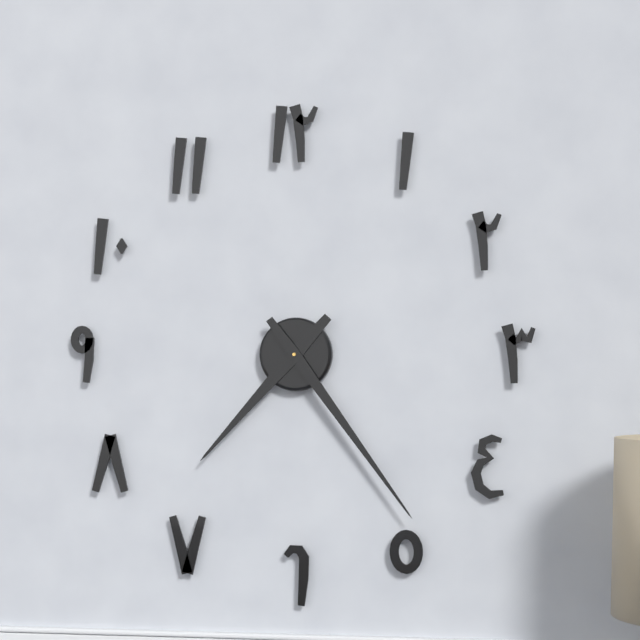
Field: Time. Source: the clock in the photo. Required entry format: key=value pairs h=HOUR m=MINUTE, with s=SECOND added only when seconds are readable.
h=7 m=24
